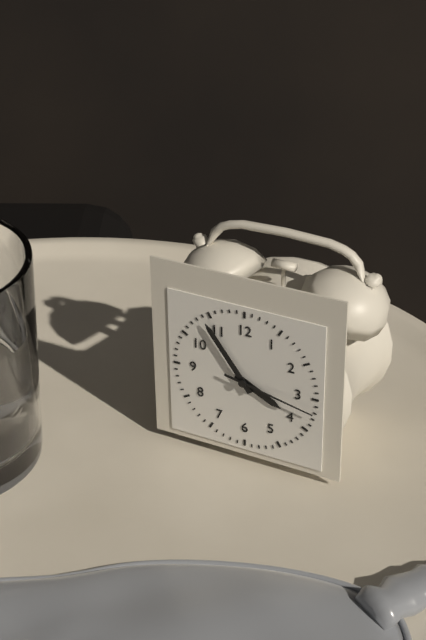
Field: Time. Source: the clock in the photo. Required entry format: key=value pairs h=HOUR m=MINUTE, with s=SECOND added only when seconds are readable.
h=3 m=54 s=17
